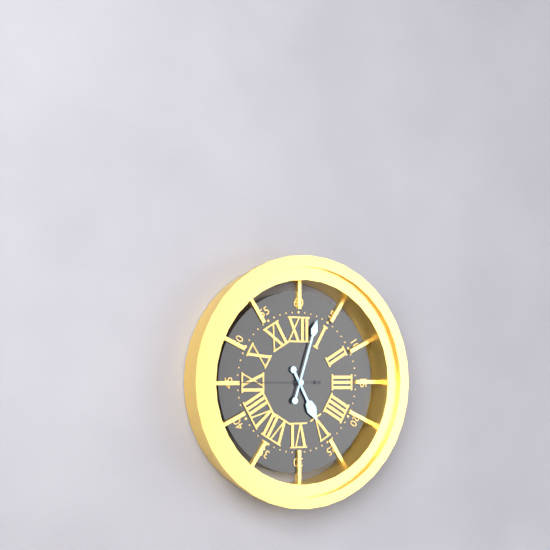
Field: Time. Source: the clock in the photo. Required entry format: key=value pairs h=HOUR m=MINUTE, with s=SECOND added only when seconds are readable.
h=5 m=3 s=45
